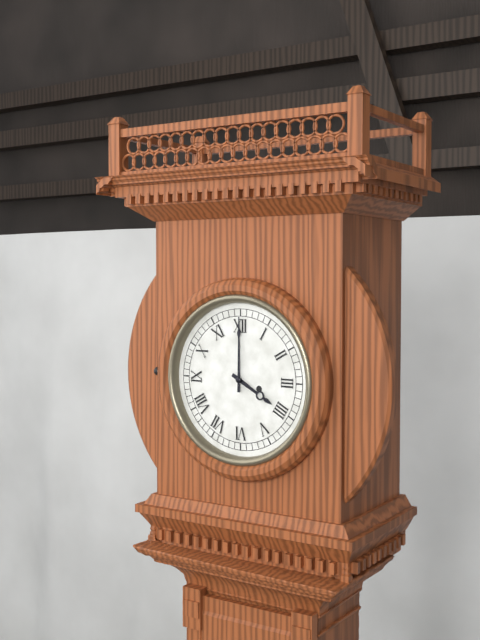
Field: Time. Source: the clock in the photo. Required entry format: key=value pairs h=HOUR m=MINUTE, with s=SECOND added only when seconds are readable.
h=4 m=0
